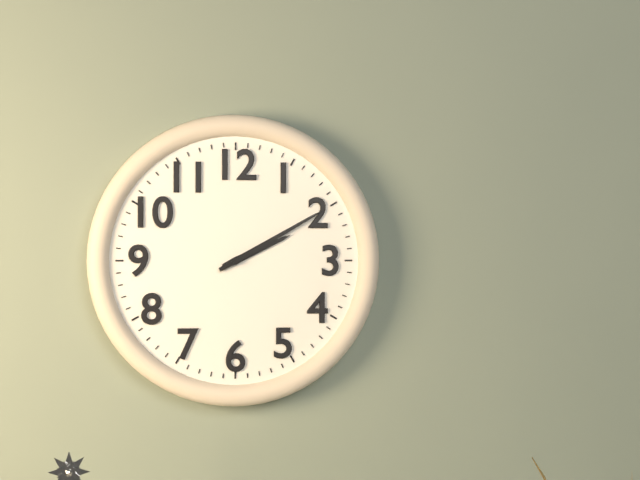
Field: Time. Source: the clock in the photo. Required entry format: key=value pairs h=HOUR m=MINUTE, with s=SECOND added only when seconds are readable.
h=2 m=10
